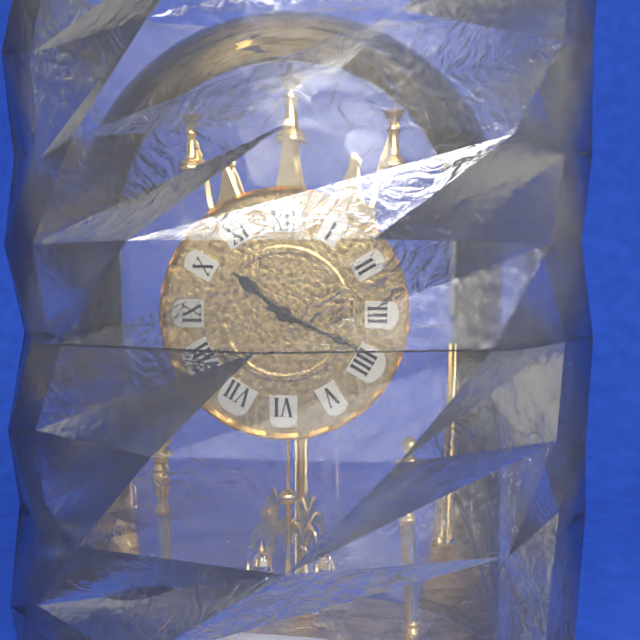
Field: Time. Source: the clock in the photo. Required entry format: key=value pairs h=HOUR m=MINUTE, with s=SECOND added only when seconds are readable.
h=10 m=19
